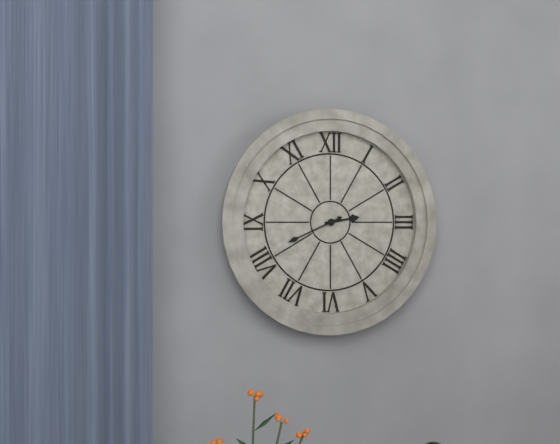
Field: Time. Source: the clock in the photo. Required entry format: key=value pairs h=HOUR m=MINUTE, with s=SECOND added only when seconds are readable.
h=2 m=41
